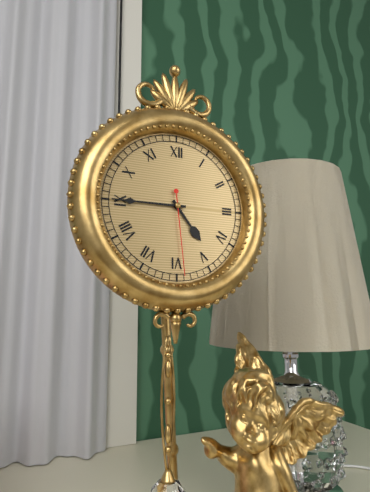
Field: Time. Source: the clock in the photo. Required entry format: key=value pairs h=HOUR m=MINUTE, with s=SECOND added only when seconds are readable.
h=4 m=45 s=29
